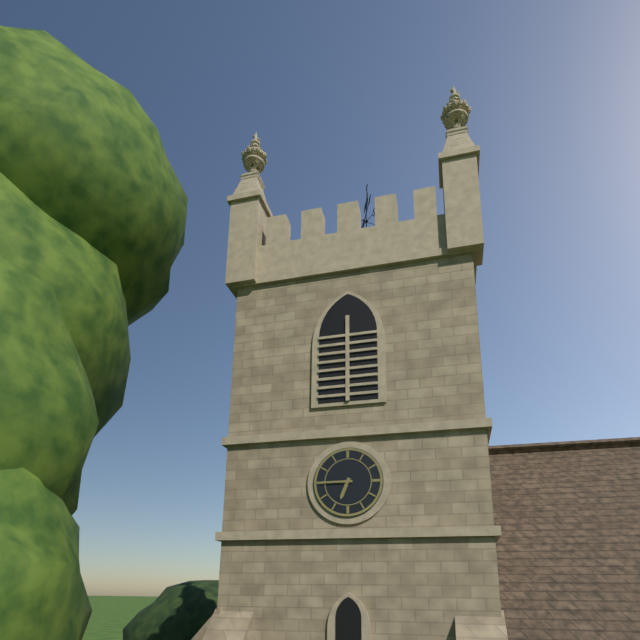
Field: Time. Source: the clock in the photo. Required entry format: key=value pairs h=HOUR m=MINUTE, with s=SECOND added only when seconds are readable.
h=6 m=45
